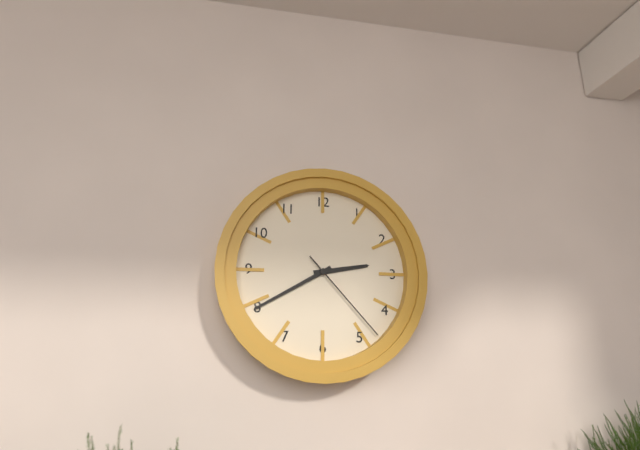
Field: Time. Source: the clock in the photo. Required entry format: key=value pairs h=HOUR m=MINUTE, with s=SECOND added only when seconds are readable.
h=2 m=40 s=23
